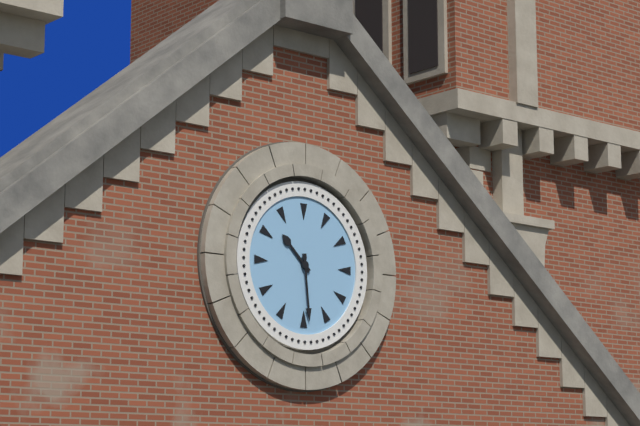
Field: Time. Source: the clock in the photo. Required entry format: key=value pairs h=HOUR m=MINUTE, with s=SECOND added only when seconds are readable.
h=10 m=29
